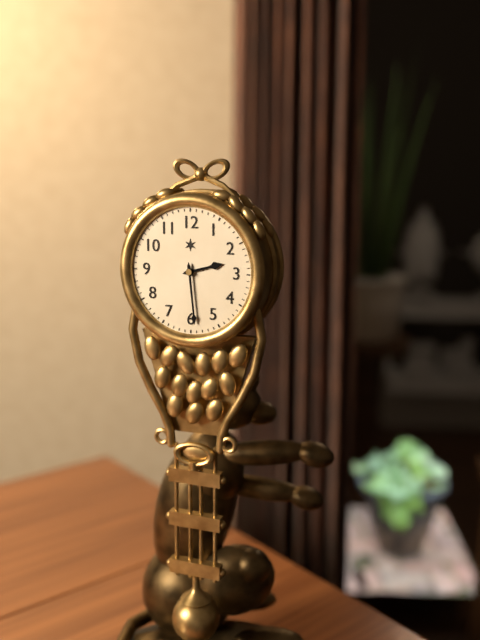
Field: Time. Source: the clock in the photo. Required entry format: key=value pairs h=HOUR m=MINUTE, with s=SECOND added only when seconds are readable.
h=2 m=29
